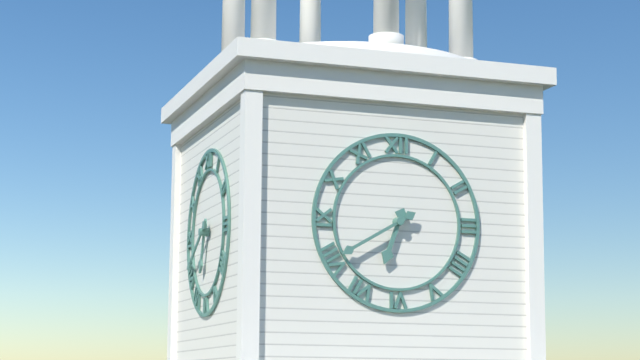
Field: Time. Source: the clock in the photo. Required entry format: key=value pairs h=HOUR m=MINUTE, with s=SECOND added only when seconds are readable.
h=6 m=40
